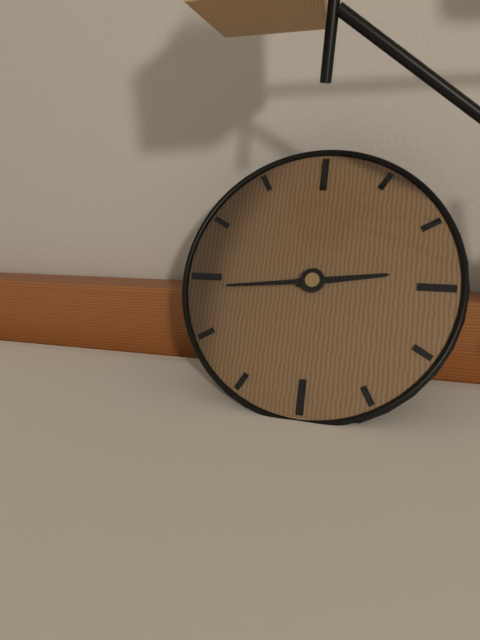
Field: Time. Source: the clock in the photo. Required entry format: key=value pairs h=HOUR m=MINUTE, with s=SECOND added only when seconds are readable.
h=2 m=44
